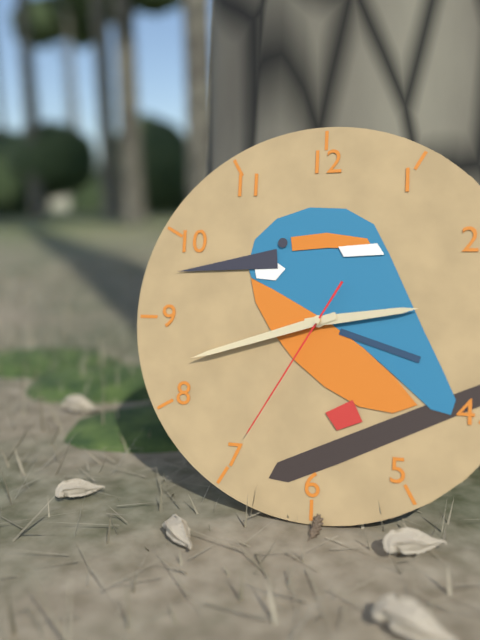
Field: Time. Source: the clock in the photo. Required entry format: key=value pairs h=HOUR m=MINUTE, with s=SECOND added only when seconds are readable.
h=2 m=42 s=35
